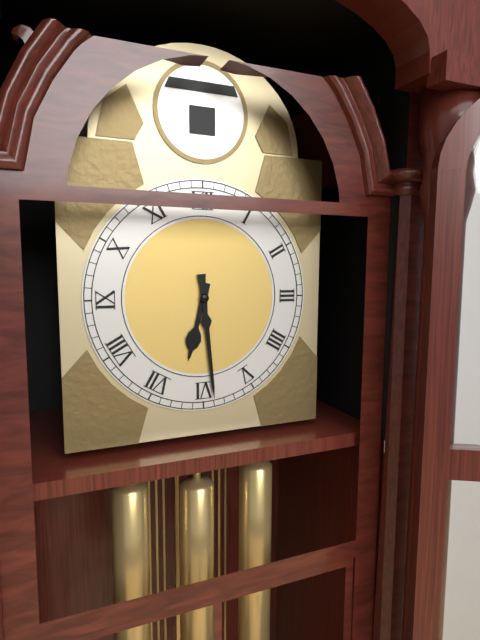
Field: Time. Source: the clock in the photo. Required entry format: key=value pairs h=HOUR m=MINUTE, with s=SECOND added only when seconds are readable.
h=6 m=29
